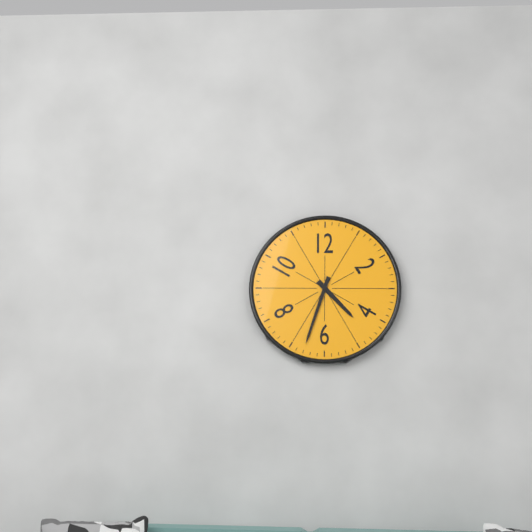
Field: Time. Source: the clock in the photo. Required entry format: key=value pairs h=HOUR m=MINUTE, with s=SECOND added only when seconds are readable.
h=4 m=33
